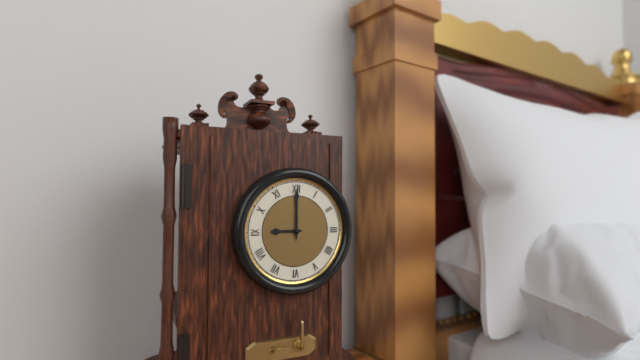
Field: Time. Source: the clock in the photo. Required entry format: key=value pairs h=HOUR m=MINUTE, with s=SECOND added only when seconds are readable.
h=9 m=0
